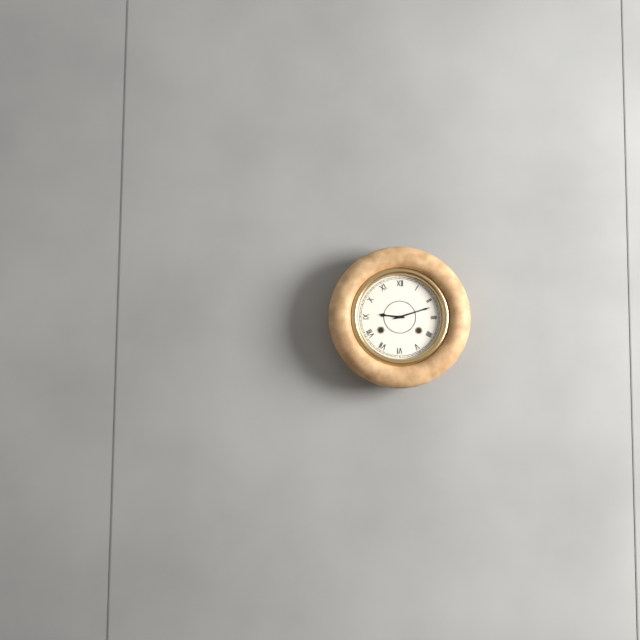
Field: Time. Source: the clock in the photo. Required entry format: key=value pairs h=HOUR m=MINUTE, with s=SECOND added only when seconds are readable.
h=9 m=12
